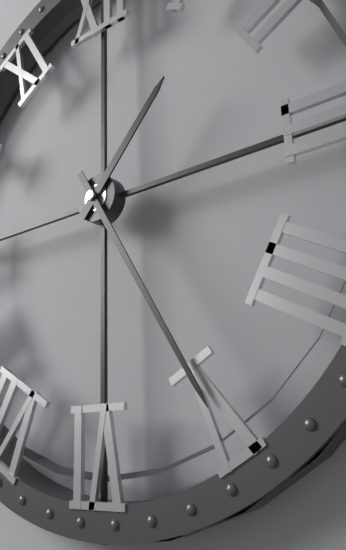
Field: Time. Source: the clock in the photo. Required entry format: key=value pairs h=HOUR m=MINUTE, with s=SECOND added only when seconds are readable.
h=1 m=25
